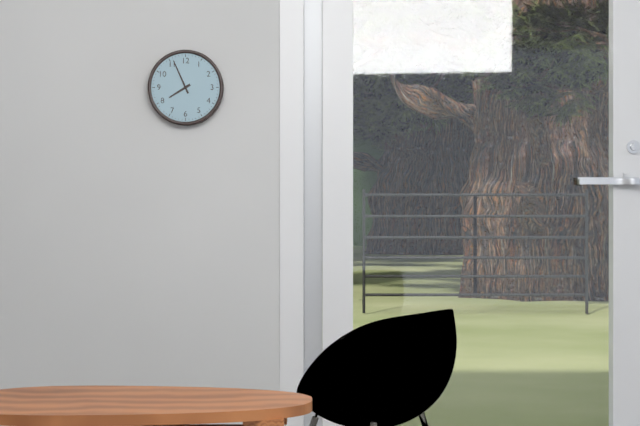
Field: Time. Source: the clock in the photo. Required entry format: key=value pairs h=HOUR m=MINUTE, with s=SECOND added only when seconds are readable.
h=7 m=56
